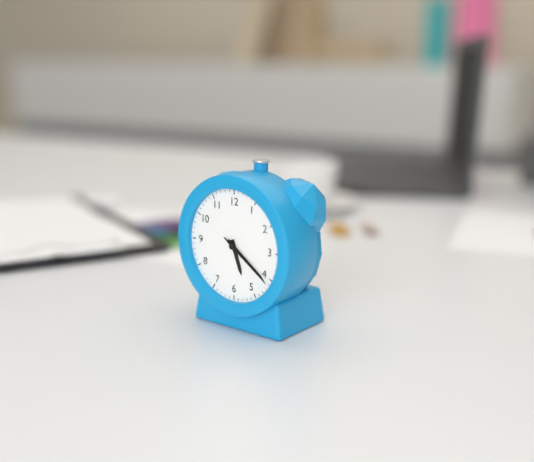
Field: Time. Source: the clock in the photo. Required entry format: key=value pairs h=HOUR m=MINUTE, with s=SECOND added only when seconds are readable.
h=5 m=21 s=21
